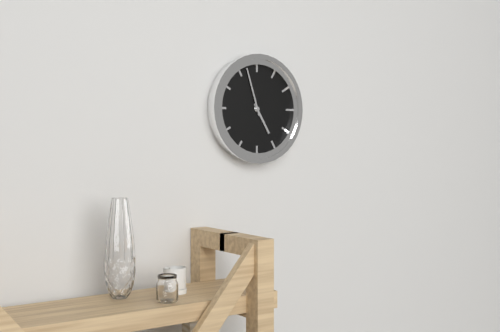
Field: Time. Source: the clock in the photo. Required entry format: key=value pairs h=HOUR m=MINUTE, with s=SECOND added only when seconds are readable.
h=4 m=57
